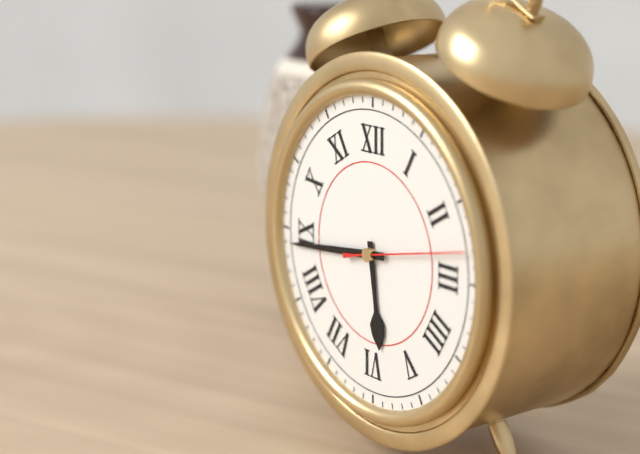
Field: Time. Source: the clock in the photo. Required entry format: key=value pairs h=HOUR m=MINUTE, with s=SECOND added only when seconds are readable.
h=5 m=44 s=13
